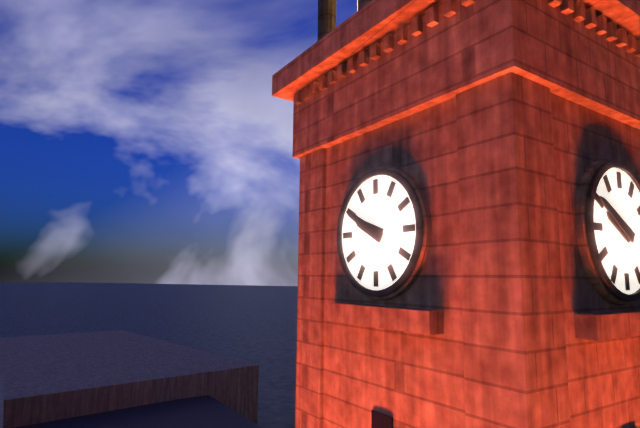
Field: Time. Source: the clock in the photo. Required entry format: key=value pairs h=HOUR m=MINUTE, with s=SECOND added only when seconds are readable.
h=9 m=50
